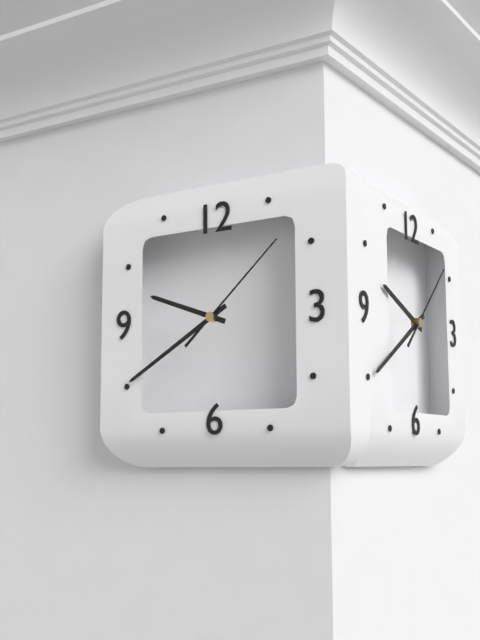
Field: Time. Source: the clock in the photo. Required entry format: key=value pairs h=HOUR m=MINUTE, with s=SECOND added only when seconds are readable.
h=9 m=40 s=8
